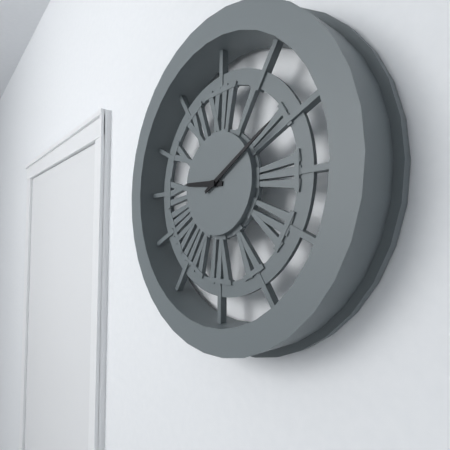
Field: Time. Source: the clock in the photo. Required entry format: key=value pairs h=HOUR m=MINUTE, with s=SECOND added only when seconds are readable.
h=9 m=10
